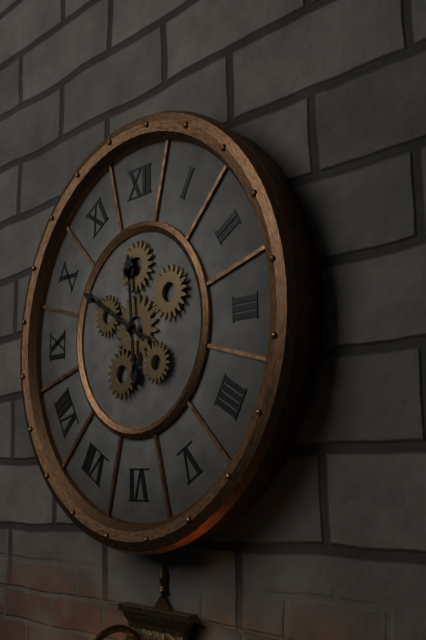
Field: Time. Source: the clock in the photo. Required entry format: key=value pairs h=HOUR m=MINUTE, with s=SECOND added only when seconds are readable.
h=11 m=50
